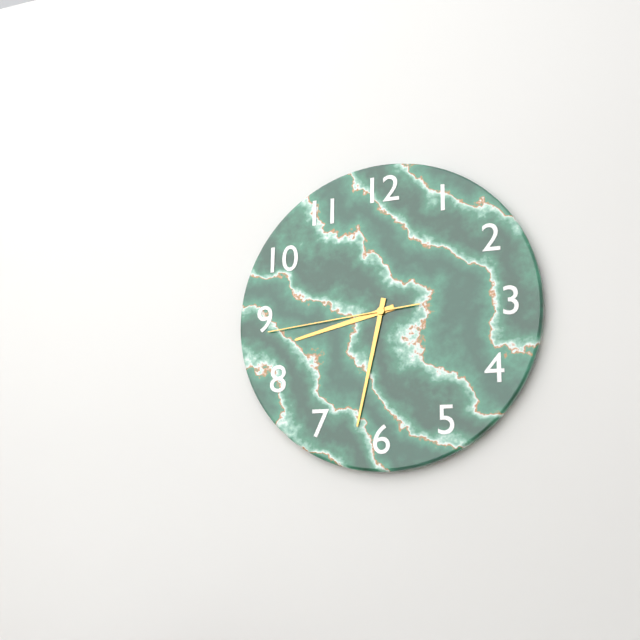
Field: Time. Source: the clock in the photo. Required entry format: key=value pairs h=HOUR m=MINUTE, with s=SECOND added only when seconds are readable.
h=8 m=32 s=44
